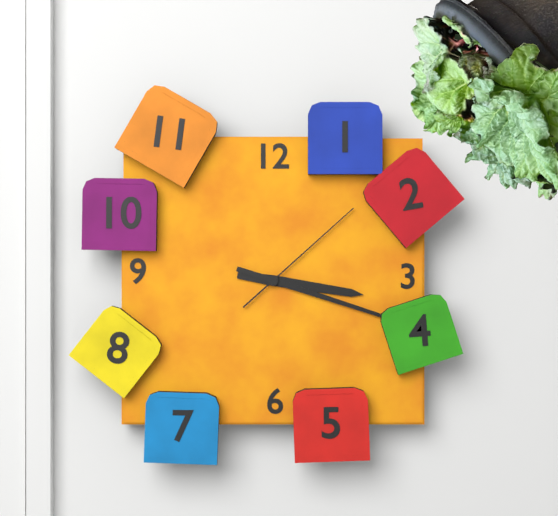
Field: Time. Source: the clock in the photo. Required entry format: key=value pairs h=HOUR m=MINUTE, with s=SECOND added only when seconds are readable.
h=3 m=18 s=8
